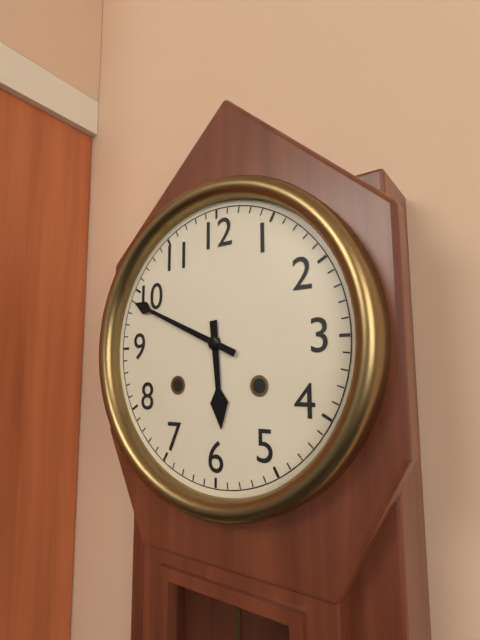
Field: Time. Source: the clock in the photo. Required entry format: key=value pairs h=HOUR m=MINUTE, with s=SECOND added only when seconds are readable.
h=5 m=49
